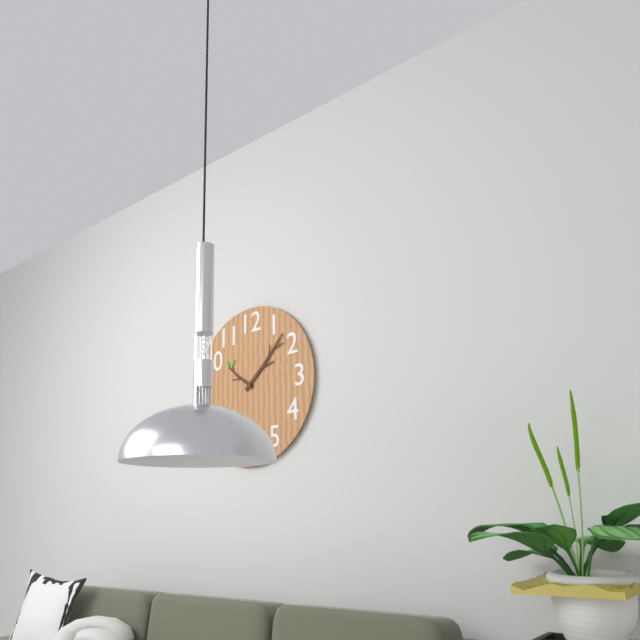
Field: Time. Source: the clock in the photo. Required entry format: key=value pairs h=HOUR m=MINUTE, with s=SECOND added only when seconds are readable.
h=10 m=8
